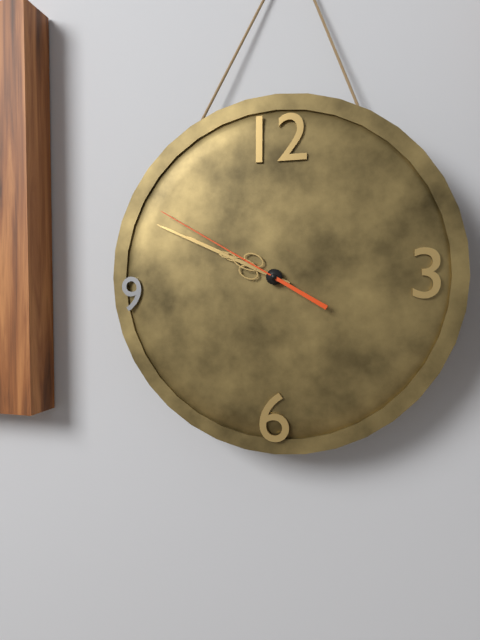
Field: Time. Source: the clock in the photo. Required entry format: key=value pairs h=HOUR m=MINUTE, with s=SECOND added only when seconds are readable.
h=9 m=49 s=50
